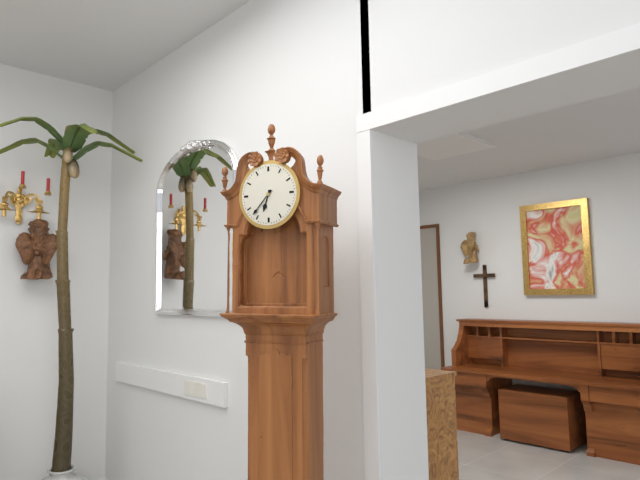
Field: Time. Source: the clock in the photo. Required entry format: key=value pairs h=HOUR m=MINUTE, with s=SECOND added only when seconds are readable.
h=6 m=37
